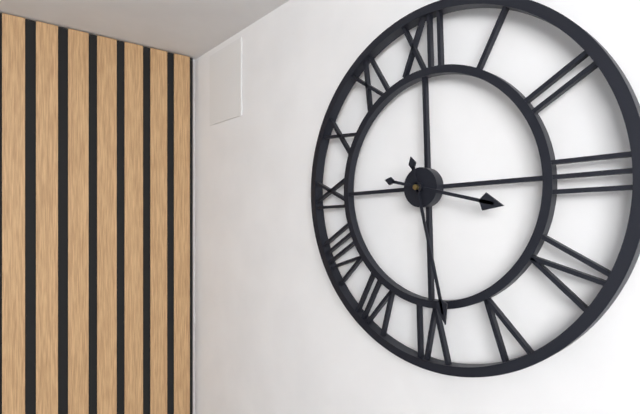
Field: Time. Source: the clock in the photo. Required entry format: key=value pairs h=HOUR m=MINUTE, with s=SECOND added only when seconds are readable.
h=3 m=28
